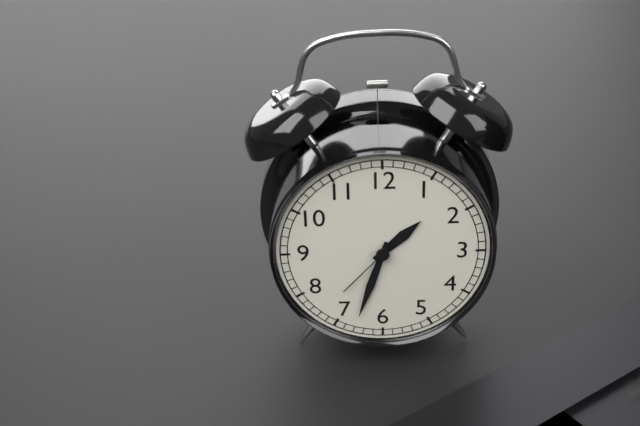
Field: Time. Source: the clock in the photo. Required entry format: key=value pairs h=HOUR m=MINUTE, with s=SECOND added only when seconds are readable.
h=1 m=33 s=37
